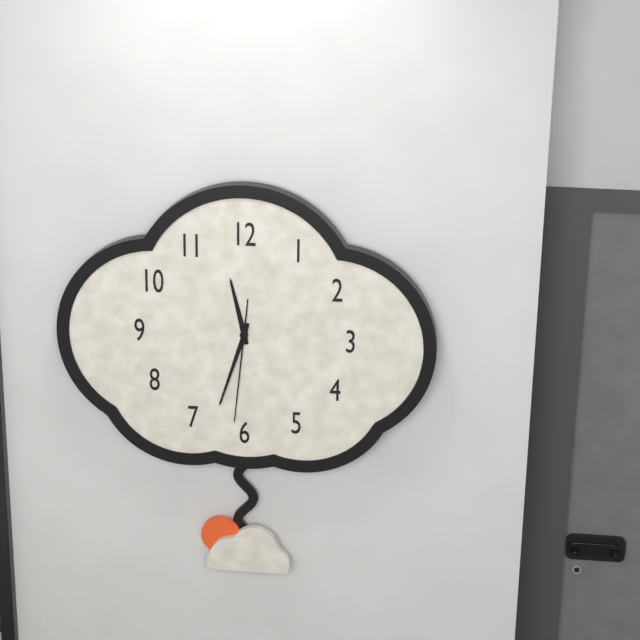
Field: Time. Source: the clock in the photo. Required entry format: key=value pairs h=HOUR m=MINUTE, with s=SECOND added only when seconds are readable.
h=11 m=33 s=31
